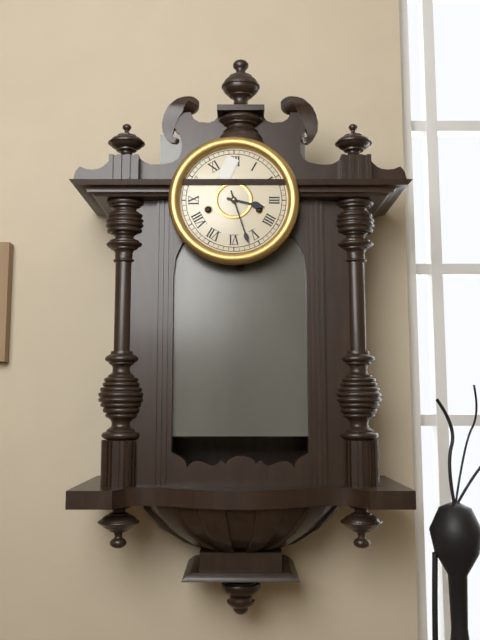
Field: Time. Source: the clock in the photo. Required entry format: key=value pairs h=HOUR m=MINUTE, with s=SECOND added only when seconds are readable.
h=3 m=27
